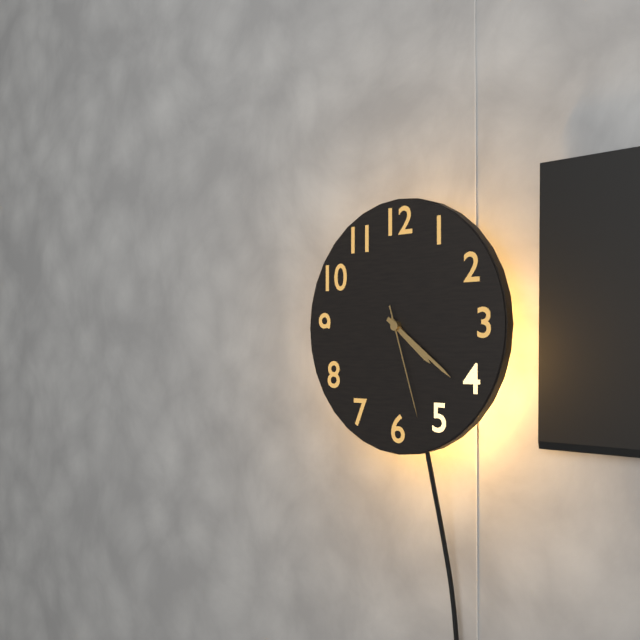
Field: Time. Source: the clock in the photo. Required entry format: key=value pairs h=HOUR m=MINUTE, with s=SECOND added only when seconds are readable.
h=4 m=21 s=27
